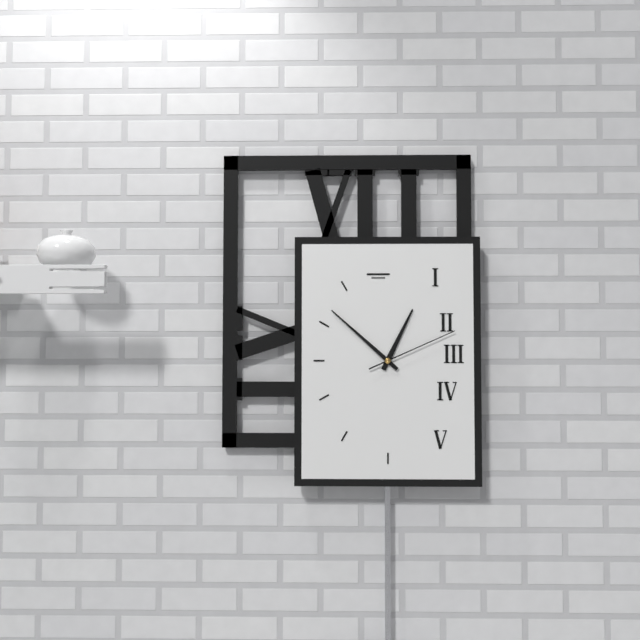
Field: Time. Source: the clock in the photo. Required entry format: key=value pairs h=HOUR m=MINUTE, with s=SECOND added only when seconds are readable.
h=12 m=52 s=11
